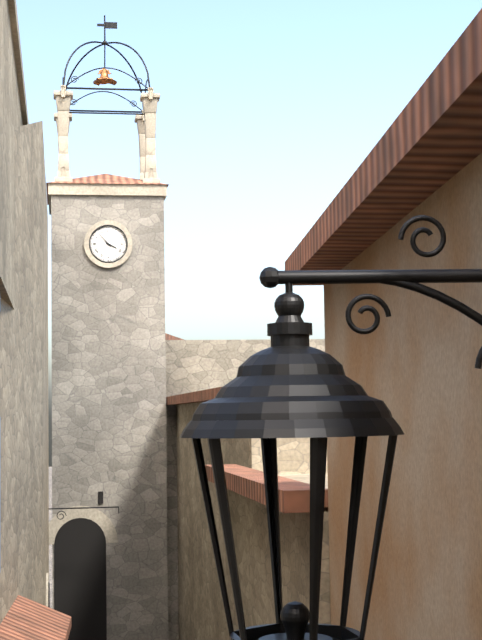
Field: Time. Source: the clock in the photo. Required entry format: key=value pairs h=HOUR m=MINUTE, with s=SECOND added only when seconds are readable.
h=3 m=53
